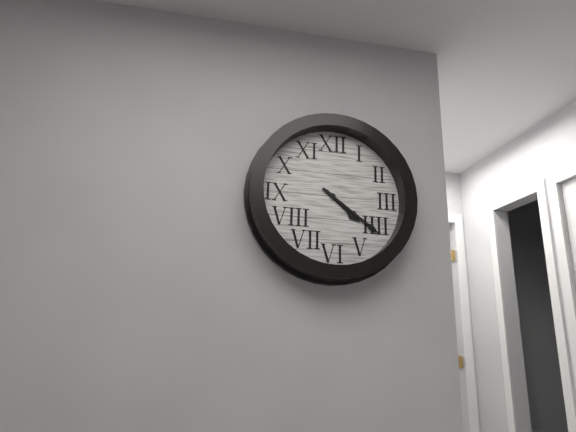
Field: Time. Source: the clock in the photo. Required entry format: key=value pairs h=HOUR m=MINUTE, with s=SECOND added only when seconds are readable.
h=4 m=21
